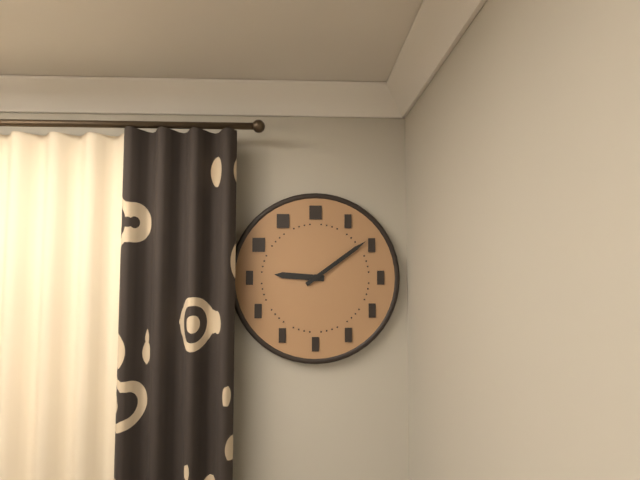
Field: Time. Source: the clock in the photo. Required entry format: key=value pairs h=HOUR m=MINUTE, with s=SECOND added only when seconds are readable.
h=9 m=9
